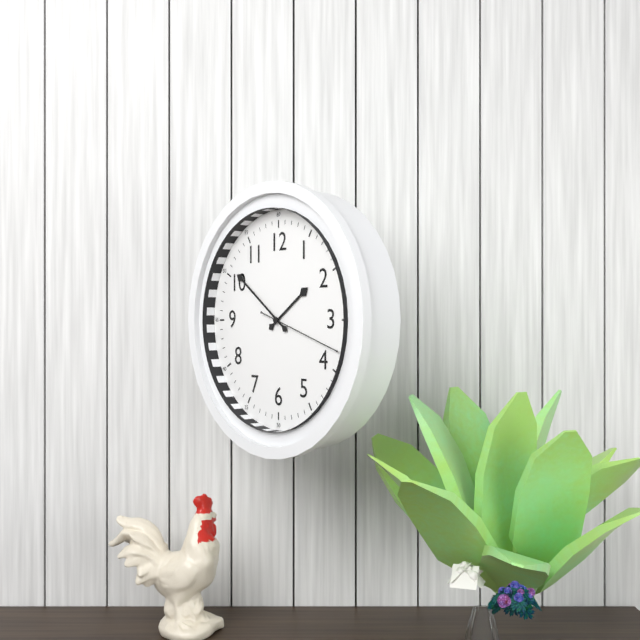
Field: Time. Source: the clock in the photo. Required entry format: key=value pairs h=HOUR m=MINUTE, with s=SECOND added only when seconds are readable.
h=1 m=51 s=18
